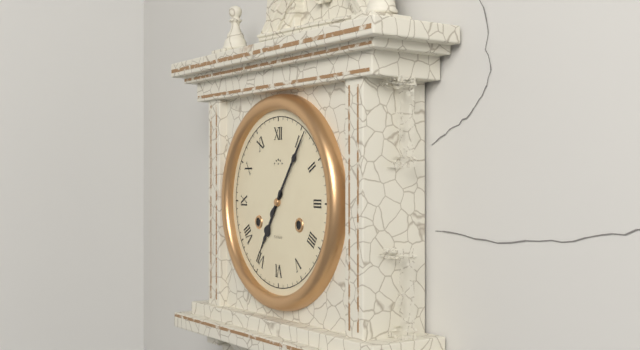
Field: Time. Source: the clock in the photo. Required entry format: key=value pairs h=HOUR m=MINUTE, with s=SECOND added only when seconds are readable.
h=7 m=6
